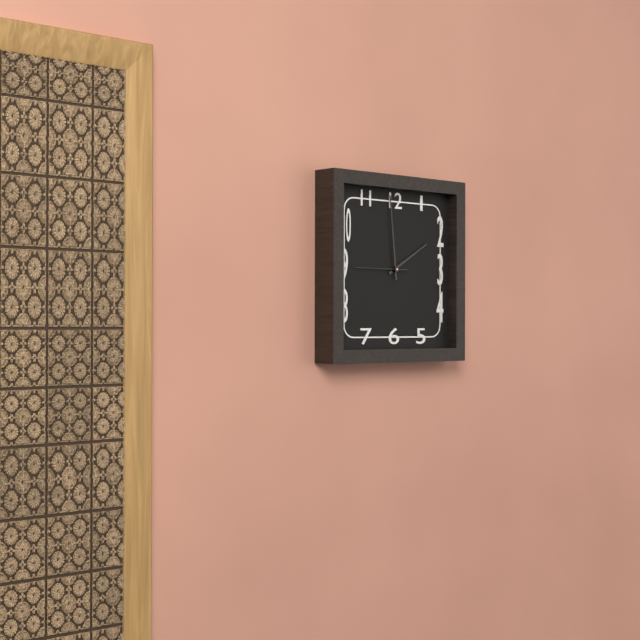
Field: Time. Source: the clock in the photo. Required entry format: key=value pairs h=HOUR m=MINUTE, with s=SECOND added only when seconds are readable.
h=1 m=59 s=45
